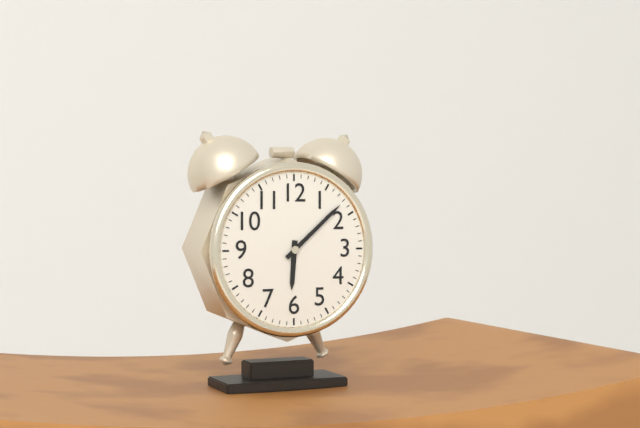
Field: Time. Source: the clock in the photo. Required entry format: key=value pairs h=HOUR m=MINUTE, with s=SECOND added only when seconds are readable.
h=6 m=8
